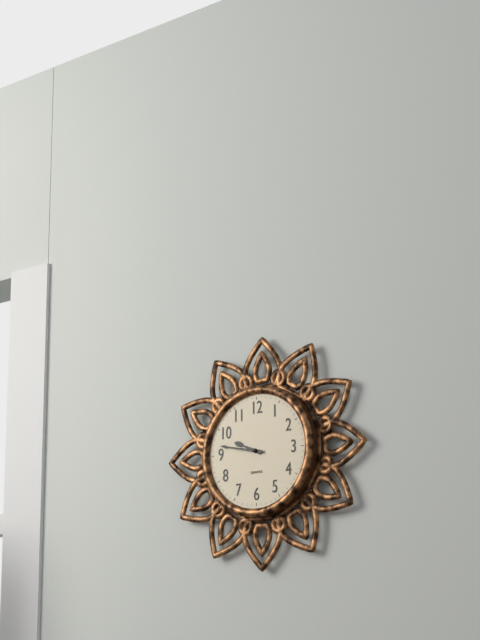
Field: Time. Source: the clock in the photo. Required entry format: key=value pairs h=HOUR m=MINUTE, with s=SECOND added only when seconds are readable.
h=9 m=47
